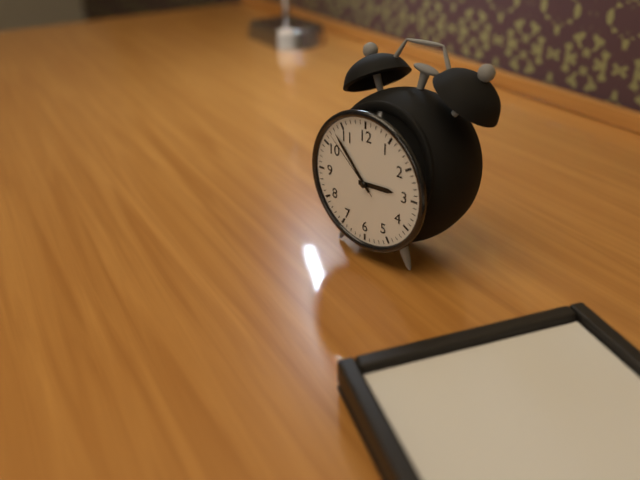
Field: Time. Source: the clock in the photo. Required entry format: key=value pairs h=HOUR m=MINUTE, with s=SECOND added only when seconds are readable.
h=2 m=53 s=52
